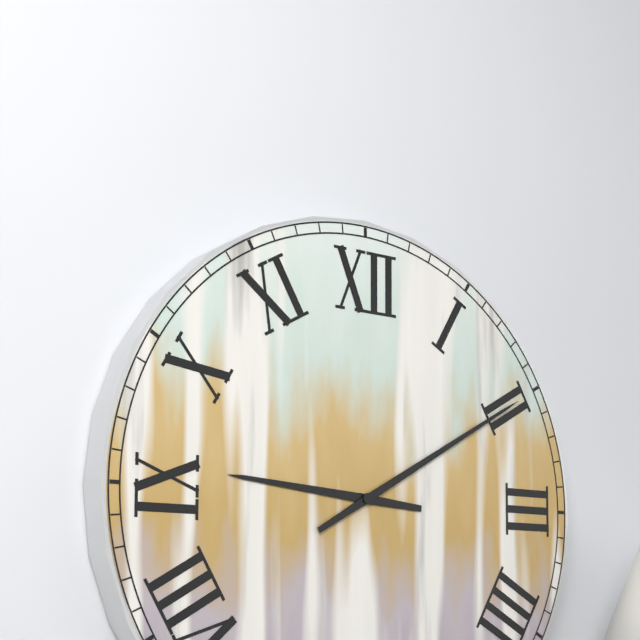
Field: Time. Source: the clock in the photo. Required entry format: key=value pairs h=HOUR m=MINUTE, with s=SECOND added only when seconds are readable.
h=9 m=10
